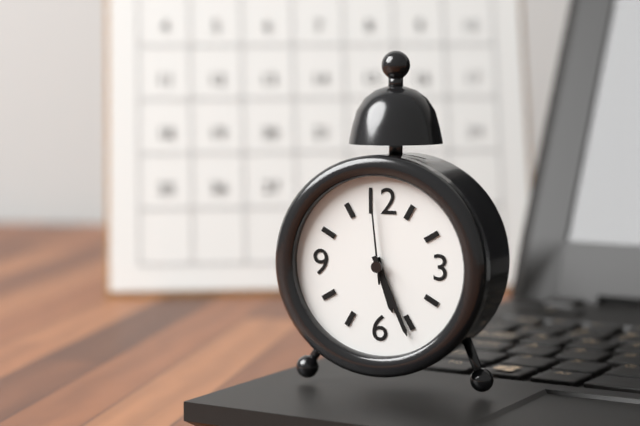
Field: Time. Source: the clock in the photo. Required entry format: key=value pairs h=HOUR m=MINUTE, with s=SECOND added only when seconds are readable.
h=5 m=26 s=59
